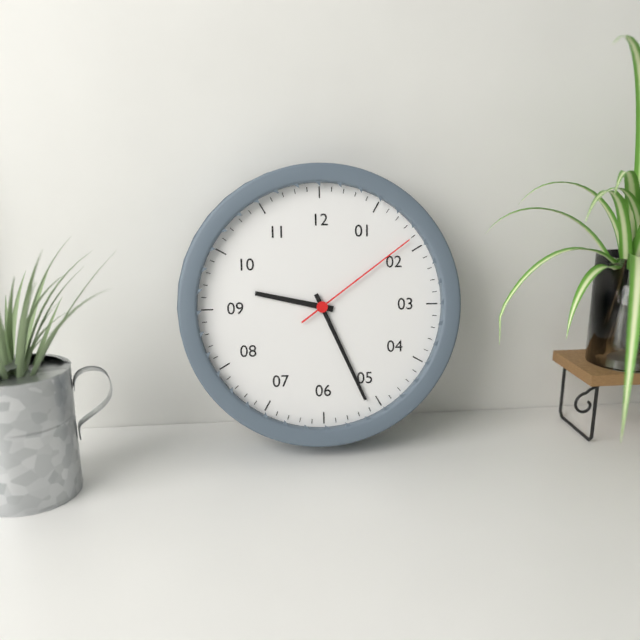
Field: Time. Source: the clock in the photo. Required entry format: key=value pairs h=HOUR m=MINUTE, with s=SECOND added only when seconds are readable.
h=9 m=26 s=9
